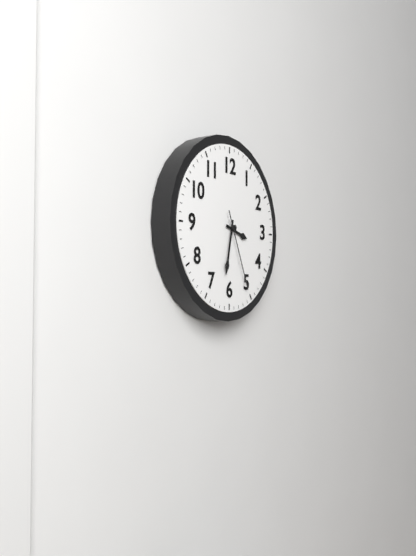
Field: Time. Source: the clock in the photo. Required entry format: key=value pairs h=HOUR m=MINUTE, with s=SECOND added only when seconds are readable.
h=3 m=32 s=26
